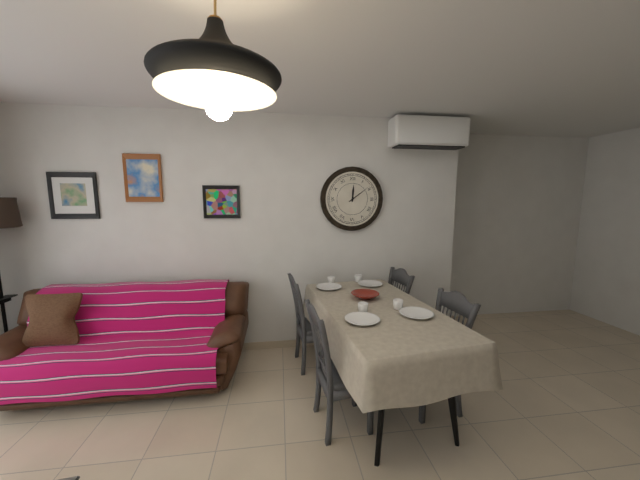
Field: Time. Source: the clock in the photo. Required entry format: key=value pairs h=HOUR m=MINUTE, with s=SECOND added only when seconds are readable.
h=12 m=9
